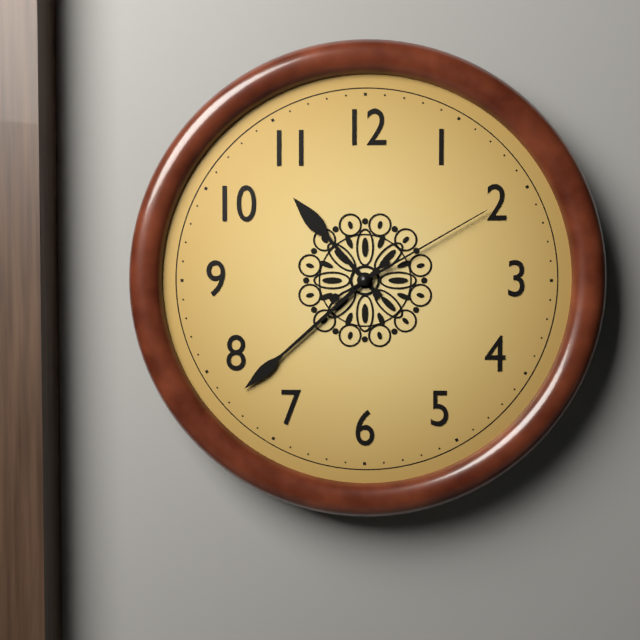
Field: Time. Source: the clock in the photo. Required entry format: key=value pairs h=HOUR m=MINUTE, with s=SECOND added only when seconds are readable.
h=10 m=38 s=10
